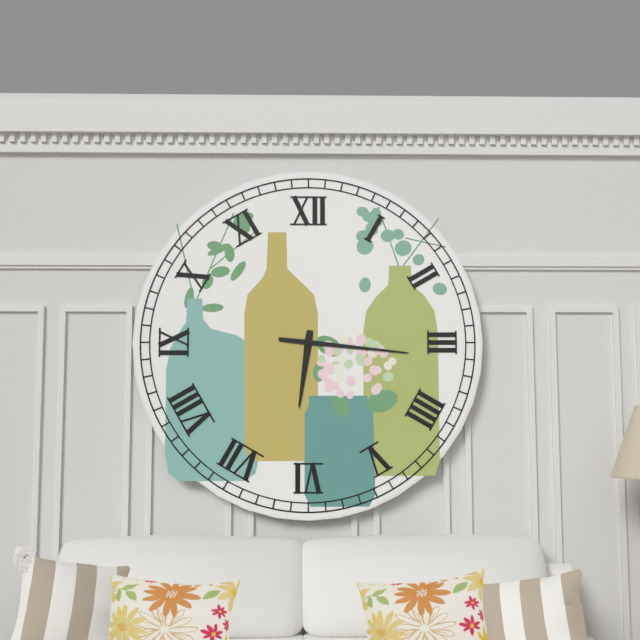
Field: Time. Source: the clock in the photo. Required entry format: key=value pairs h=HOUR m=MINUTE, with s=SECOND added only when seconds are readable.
h=6 m=16
